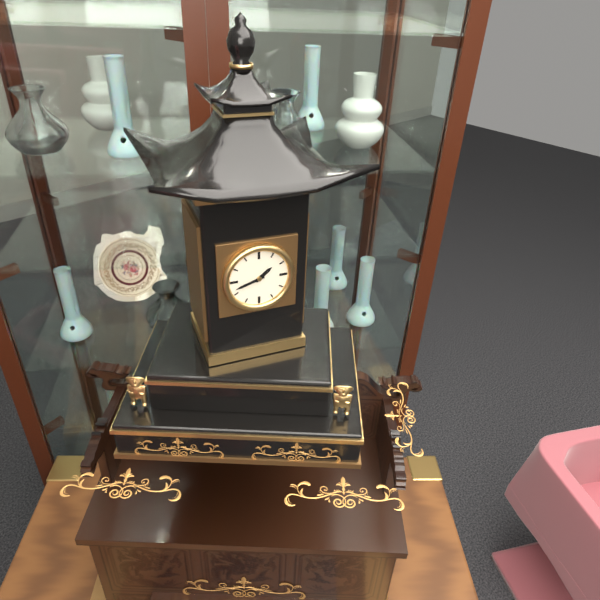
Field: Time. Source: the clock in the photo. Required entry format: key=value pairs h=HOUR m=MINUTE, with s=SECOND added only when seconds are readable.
h=1 m=42
